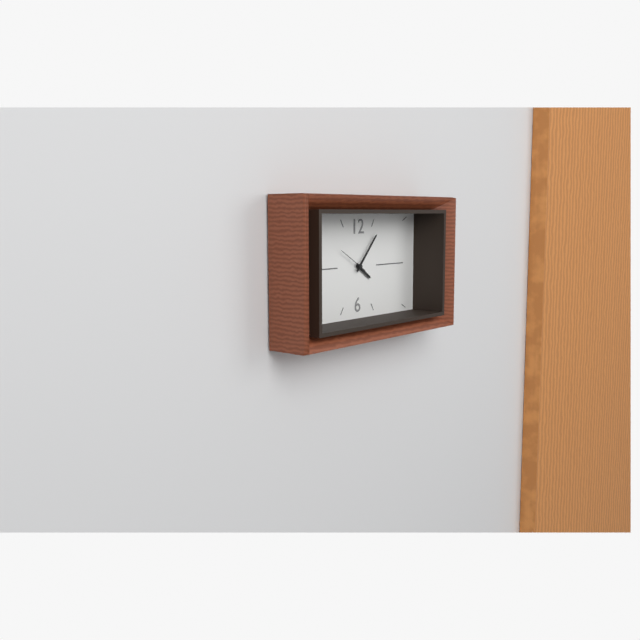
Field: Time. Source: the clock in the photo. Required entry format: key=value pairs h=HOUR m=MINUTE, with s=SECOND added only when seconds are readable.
h=4 m=7
